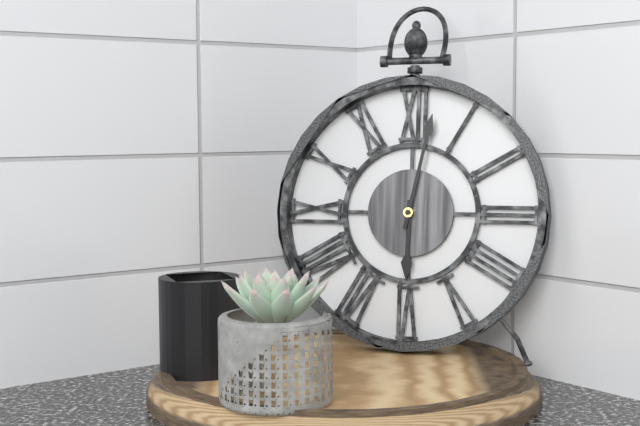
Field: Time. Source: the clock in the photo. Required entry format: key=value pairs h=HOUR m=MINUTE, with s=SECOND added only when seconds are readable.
h=6 m=2
